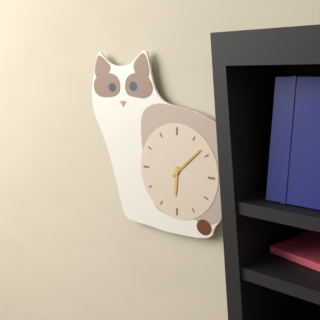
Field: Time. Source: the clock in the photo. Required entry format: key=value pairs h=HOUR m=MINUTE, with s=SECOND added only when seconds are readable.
h=6 m=8
